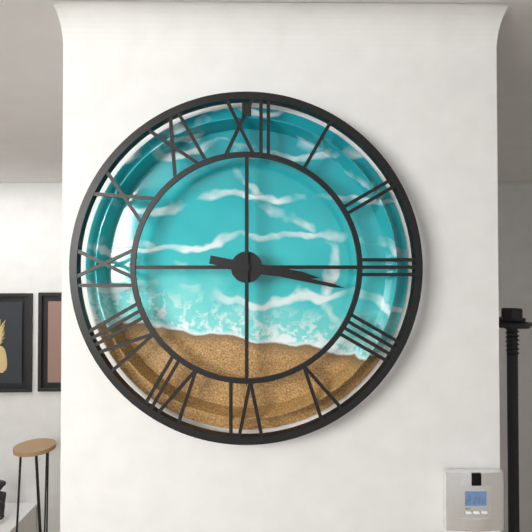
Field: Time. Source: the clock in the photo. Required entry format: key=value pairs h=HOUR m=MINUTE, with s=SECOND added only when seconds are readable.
h=3 m=17 s=30
